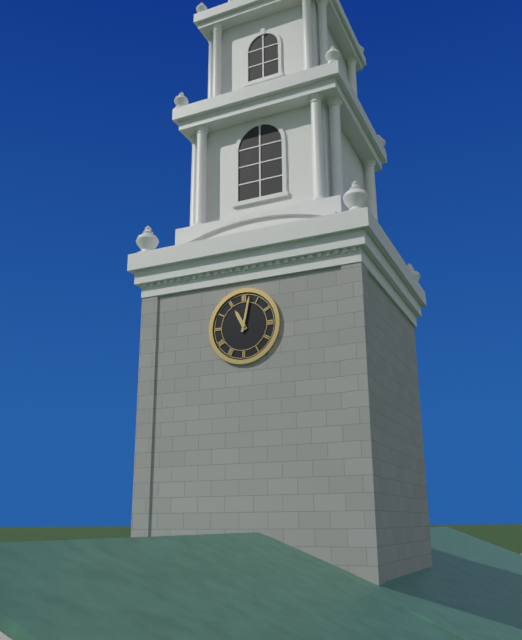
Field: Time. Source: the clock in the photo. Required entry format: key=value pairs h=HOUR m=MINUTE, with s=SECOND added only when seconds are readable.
h=11 m=2
